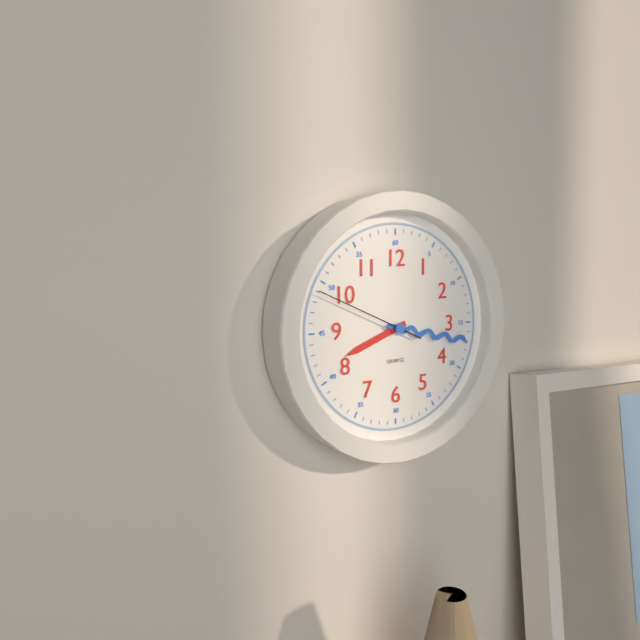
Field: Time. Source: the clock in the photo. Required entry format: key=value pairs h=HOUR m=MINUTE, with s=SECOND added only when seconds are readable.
h=8 m=17 s=49
